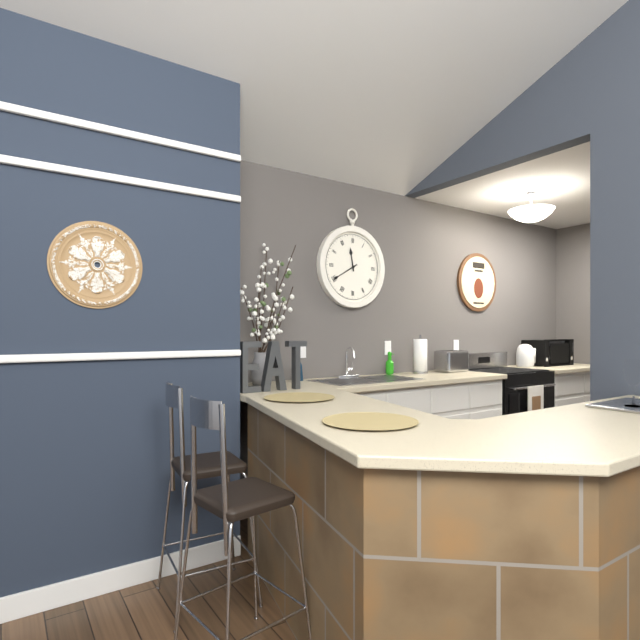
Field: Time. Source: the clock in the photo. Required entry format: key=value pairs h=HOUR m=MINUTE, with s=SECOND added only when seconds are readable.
h=11 m=40
